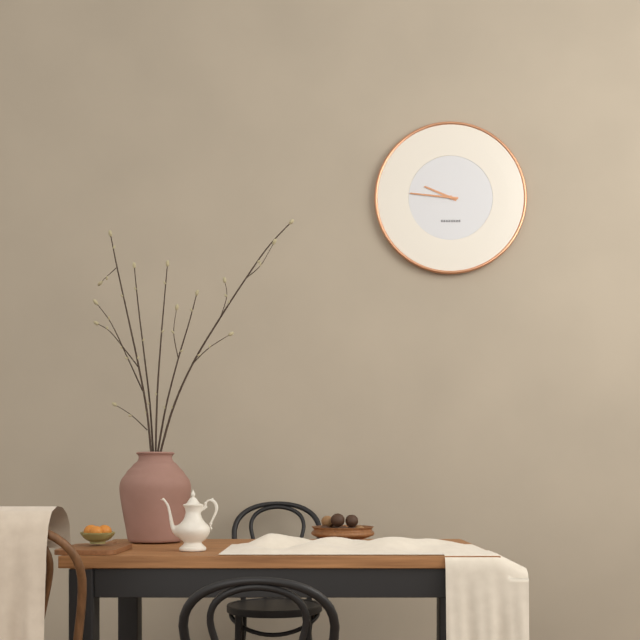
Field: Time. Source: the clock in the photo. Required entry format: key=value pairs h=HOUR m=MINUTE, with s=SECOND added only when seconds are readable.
h=9 m=46
